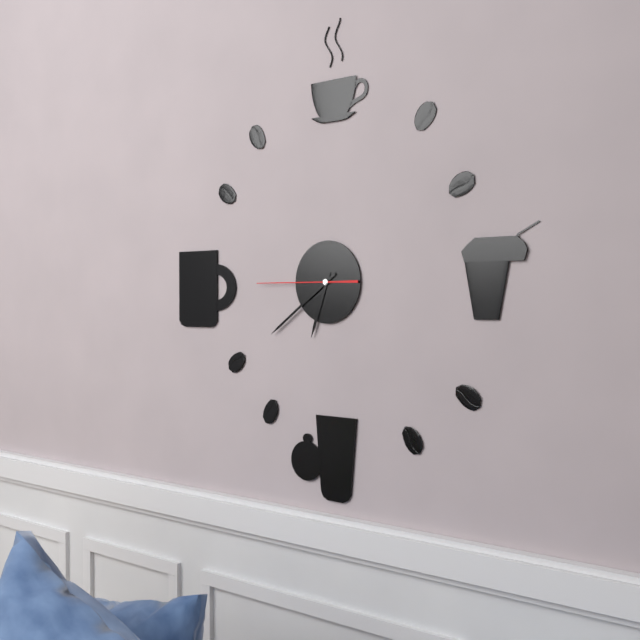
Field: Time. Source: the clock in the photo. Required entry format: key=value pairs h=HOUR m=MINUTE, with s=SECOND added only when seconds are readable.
h=6 m=39 s=45
